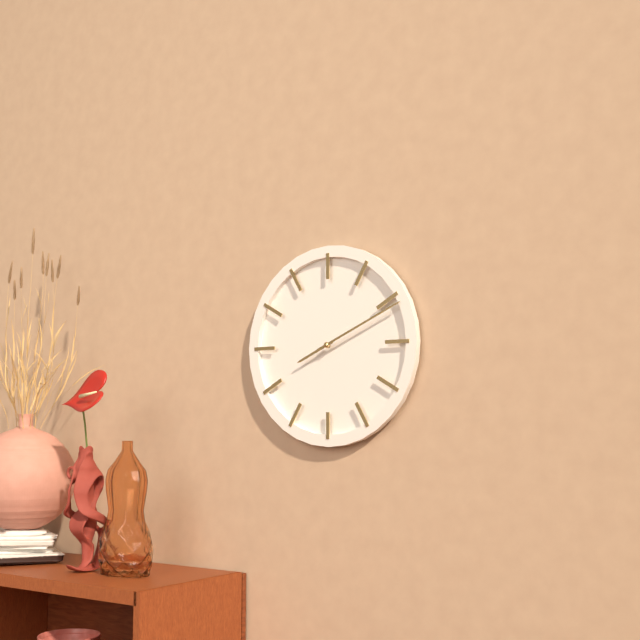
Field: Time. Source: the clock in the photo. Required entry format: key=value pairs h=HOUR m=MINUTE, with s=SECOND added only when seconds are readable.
h=8 m=11
